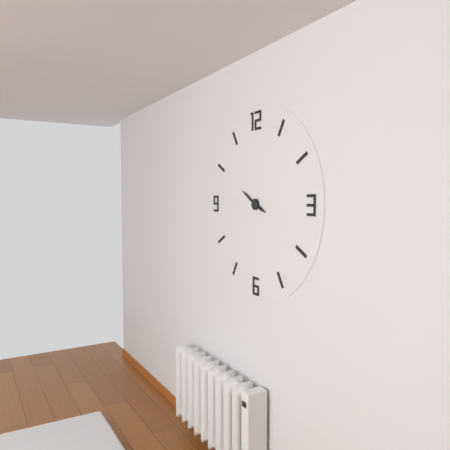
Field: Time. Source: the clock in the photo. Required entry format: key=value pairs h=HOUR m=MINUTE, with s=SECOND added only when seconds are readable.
h=3 m=50
